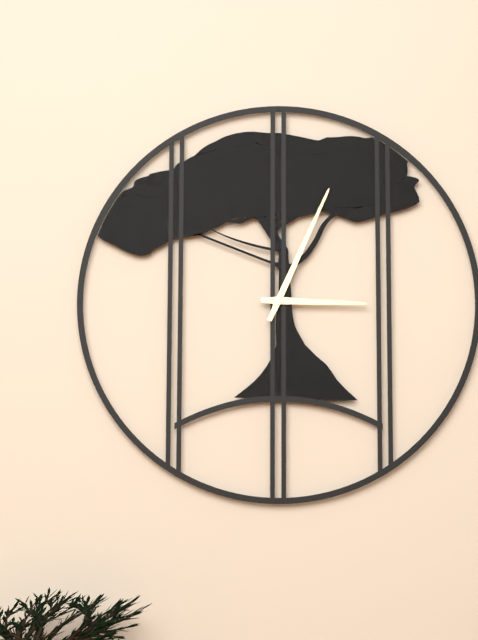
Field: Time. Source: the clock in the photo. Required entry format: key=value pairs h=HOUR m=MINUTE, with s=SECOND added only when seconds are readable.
h=3 m=4
